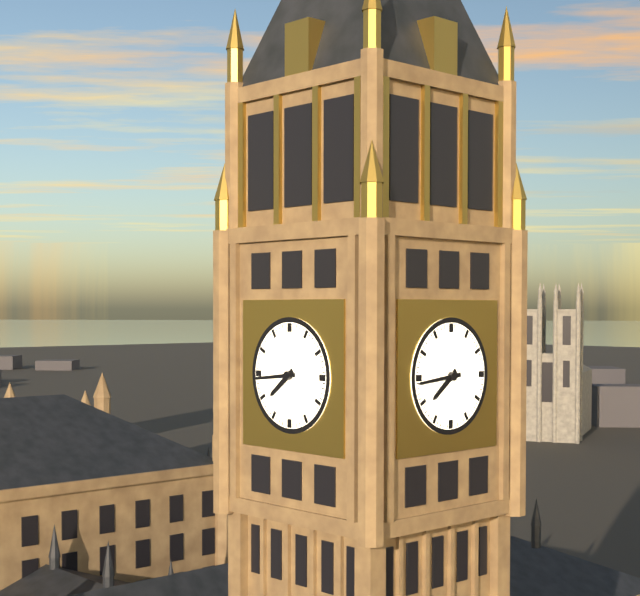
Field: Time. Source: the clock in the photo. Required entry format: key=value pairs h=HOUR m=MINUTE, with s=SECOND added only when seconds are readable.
h=7 m=44
